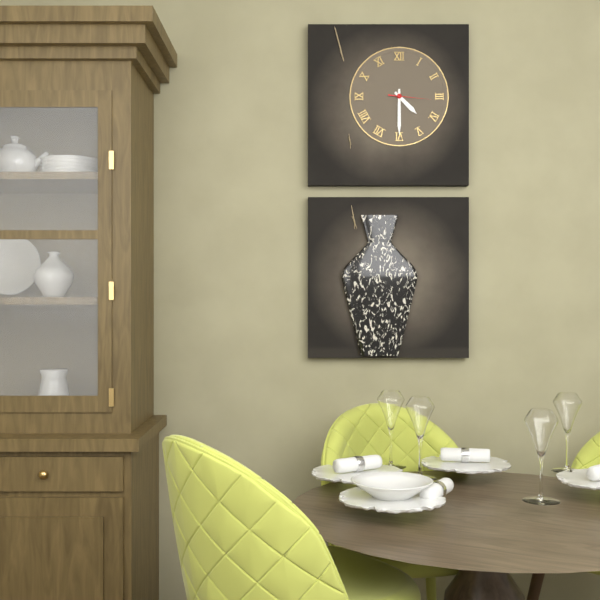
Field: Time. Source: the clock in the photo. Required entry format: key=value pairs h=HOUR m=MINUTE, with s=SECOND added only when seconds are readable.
h=4 m=30
